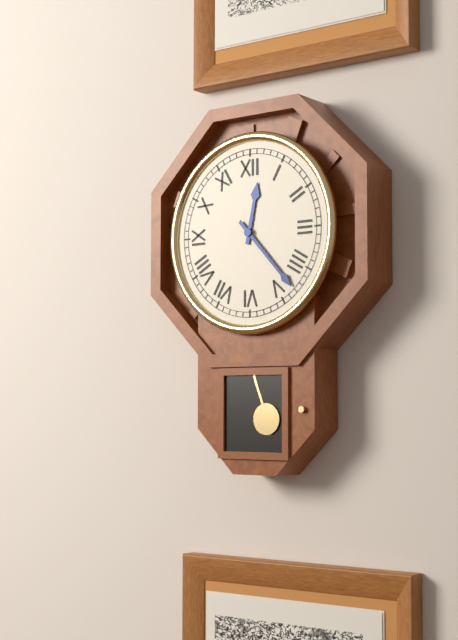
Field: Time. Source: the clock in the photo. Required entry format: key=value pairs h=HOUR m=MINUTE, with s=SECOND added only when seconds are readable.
h=12 m=23
